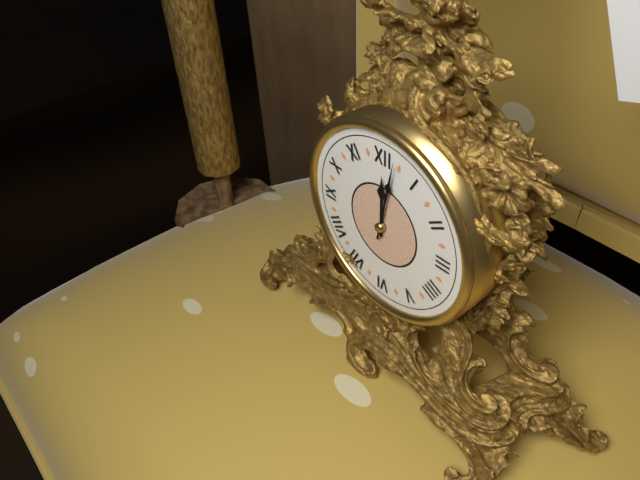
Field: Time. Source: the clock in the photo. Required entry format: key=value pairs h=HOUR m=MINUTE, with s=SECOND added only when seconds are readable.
h=12 m=2
